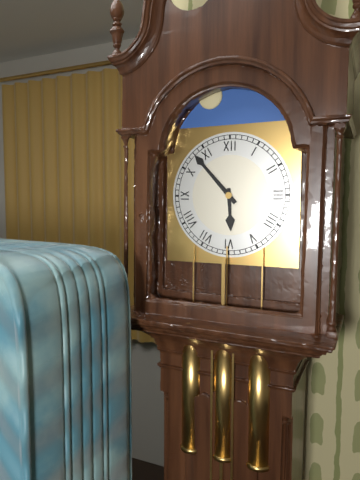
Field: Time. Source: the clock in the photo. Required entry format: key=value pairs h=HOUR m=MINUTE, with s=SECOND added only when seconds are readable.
h=5 m=53
